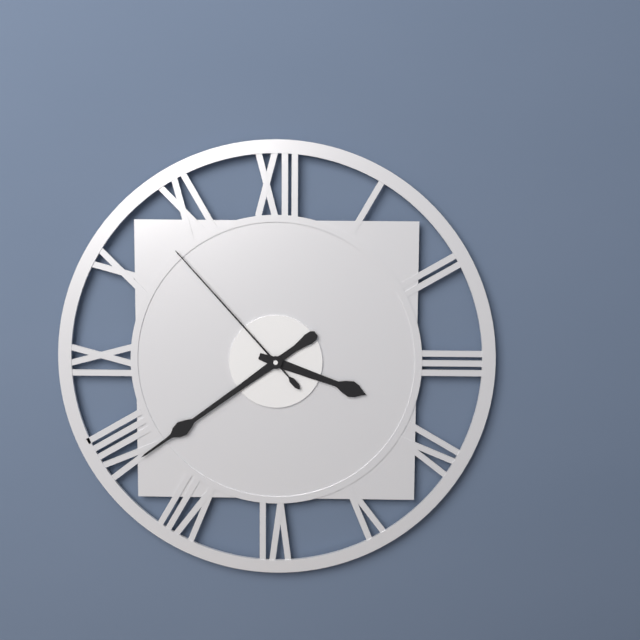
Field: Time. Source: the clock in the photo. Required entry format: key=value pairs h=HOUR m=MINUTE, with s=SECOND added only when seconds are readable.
h=3 m=39 s=53
